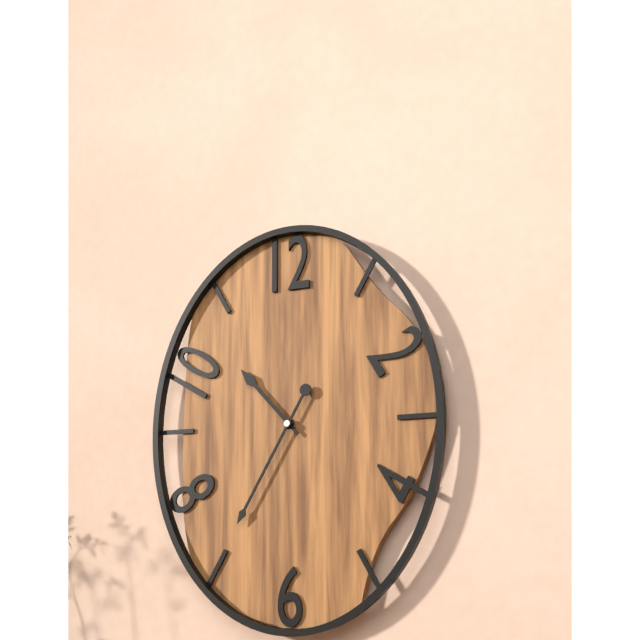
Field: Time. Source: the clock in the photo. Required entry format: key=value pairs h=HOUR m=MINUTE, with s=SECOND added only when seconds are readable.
h=10 m=35
